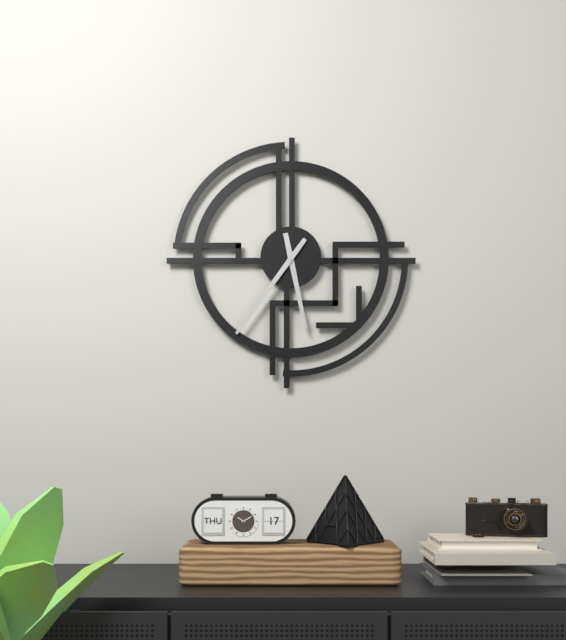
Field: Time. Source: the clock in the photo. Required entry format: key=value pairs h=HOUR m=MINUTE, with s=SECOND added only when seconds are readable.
h=5 m=36
